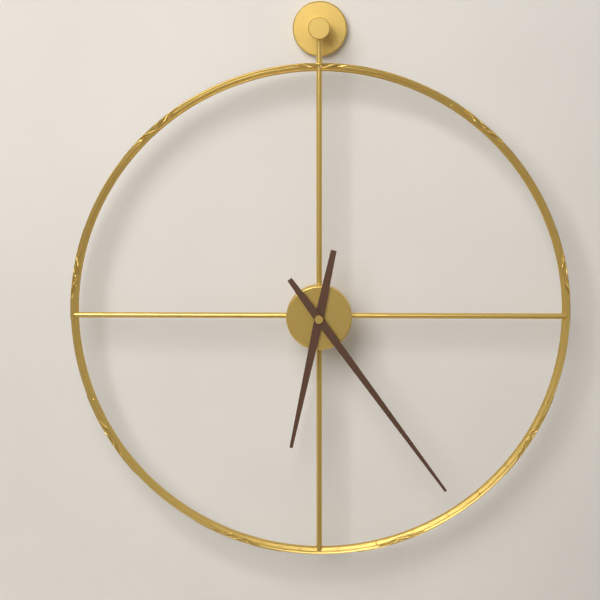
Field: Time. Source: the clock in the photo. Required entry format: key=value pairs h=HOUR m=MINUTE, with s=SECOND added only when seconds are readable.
h=6 m=24
